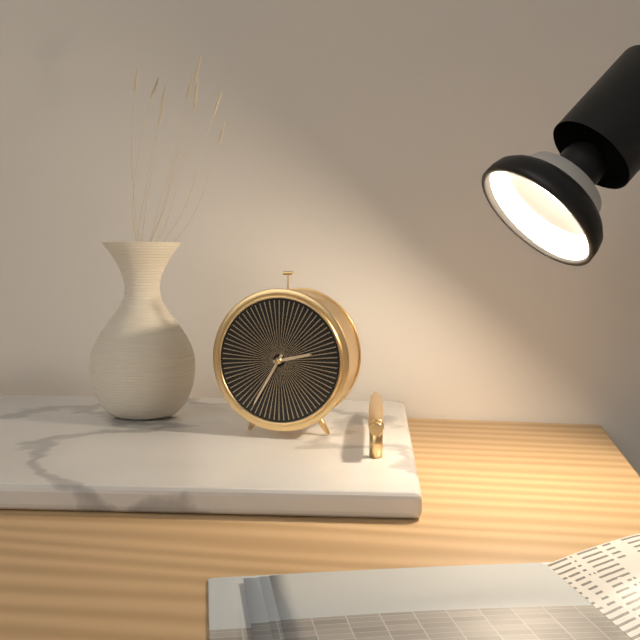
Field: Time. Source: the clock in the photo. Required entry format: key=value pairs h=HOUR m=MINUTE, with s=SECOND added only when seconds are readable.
h=2 m=35
